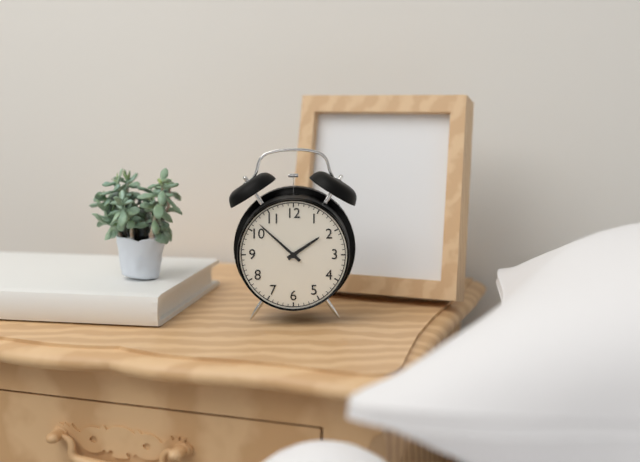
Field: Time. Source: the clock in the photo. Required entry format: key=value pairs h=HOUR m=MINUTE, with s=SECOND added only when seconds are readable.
h=1 m=52
